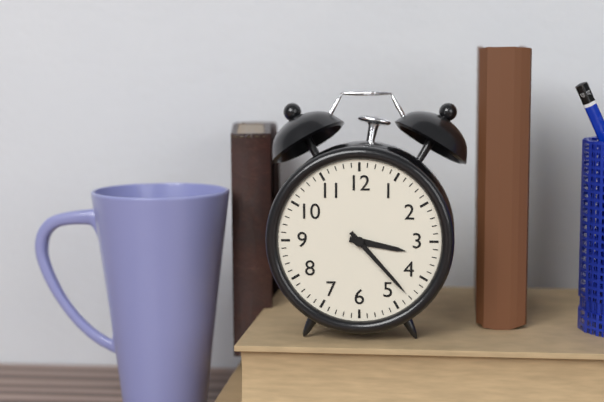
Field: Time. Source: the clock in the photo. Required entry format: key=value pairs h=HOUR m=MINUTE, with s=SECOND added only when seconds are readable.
h=3 m=23
